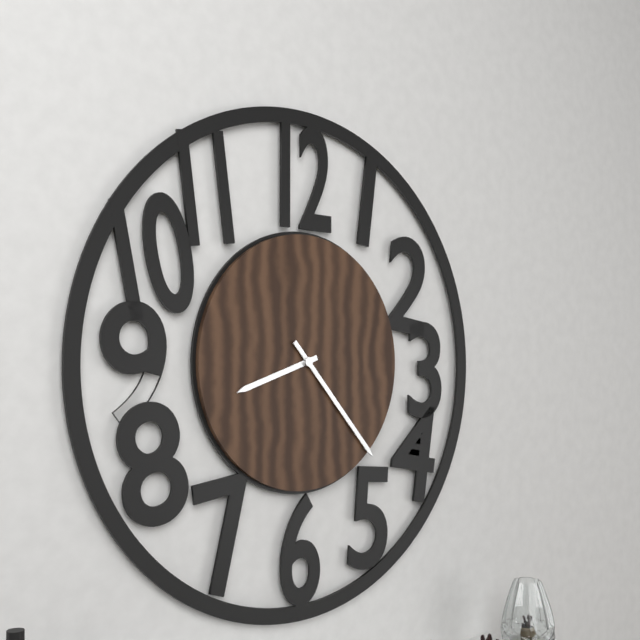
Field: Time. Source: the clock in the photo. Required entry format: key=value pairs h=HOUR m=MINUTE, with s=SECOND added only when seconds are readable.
h=8 m=23
